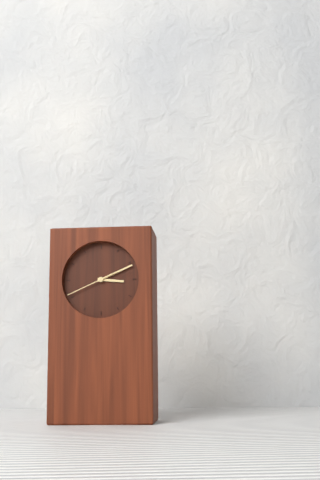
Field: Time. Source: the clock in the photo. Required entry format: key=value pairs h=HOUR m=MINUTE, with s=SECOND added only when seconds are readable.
h=3 m=11
